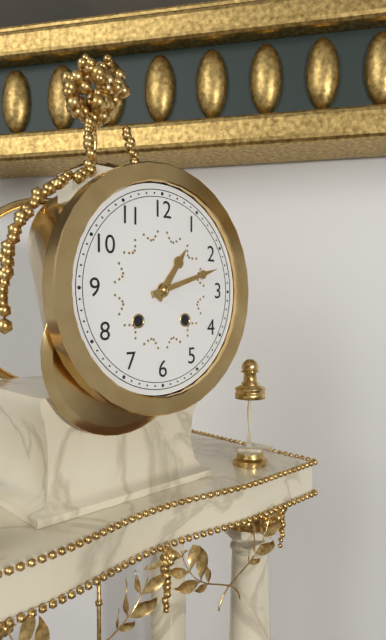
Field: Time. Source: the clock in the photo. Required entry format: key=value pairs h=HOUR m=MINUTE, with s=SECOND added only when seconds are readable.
h=1 m=12
